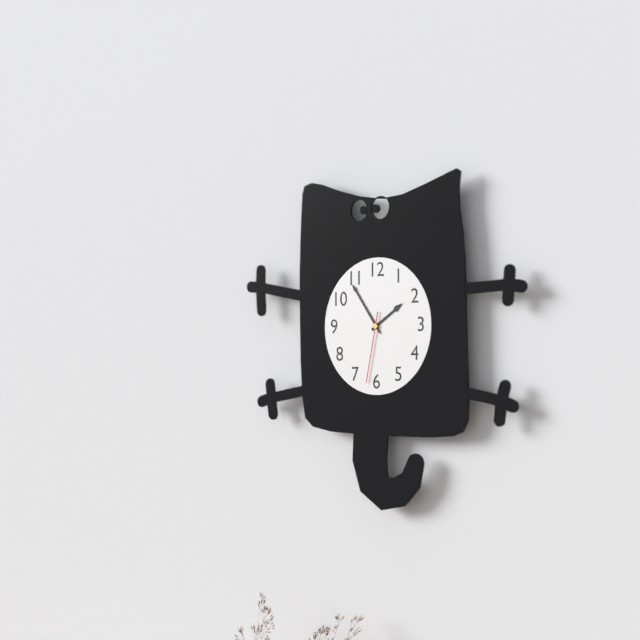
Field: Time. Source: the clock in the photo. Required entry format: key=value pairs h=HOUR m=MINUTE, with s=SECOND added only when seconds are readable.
h=1 m=54 s=32
